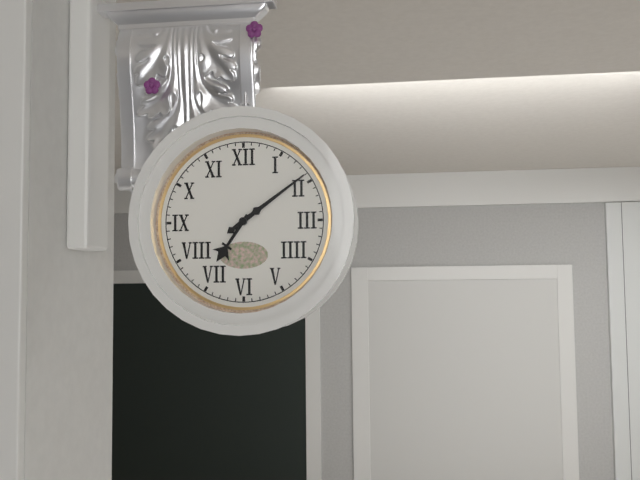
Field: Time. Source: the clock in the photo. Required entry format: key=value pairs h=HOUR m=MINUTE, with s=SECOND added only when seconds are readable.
h=7 m=9
